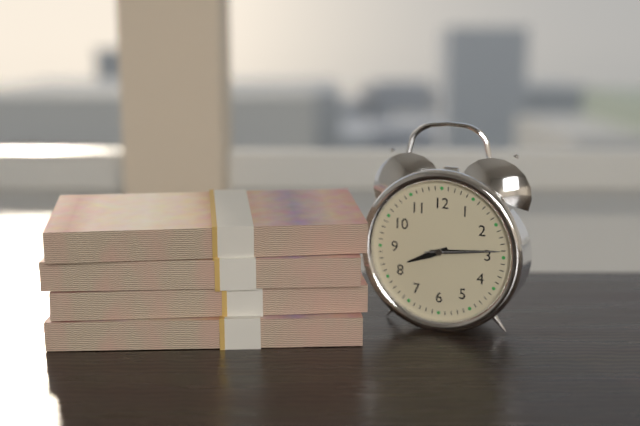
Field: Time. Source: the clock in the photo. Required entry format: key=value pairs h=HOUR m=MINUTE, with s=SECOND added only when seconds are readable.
h=8 m=14 s=14
